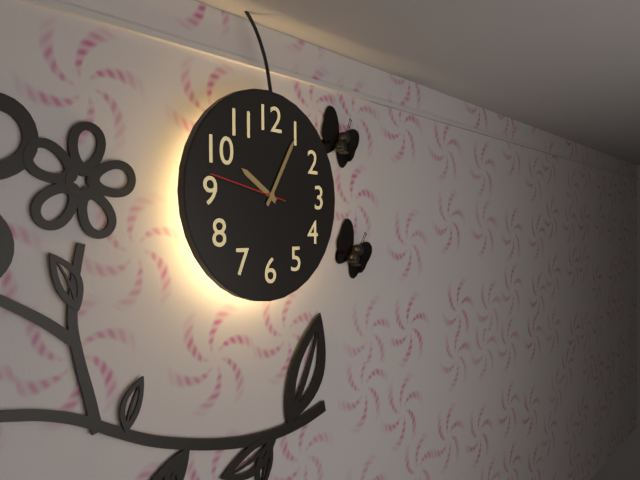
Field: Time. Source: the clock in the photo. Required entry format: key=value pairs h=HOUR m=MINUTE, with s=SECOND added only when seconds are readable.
h=10 m=5 s=47
